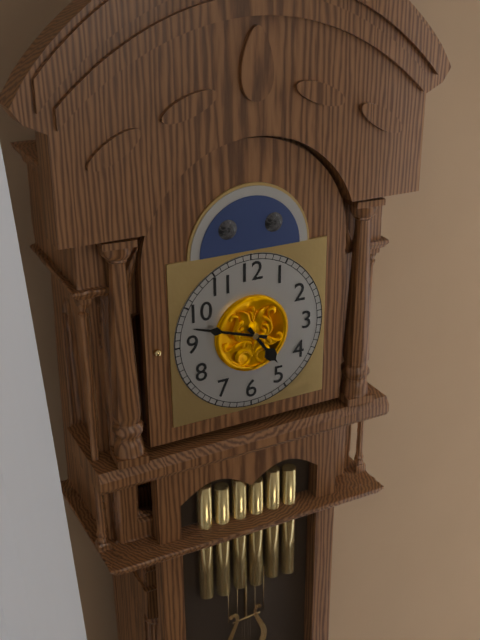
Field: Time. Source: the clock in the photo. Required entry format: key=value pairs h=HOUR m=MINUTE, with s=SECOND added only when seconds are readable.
h=4 m=48
